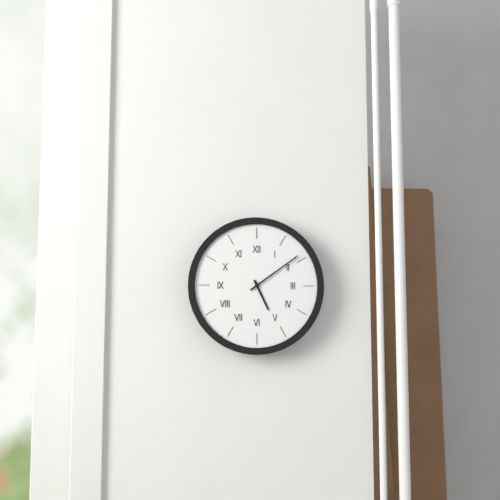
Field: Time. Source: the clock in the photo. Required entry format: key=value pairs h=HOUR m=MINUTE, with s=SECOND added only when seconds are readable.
h=5 m=9
